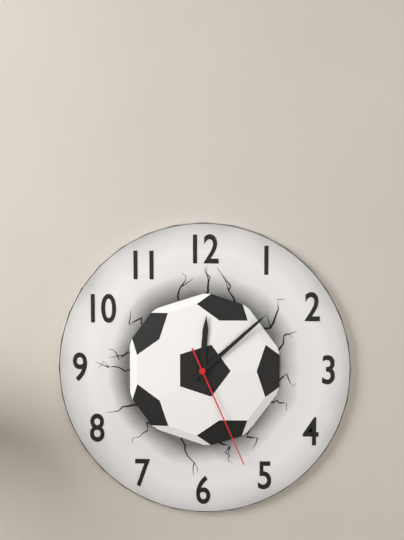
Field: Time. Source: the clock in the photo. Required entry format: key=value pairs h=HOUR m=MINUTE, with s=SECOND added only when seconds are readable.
h=12 m=8 s=26
